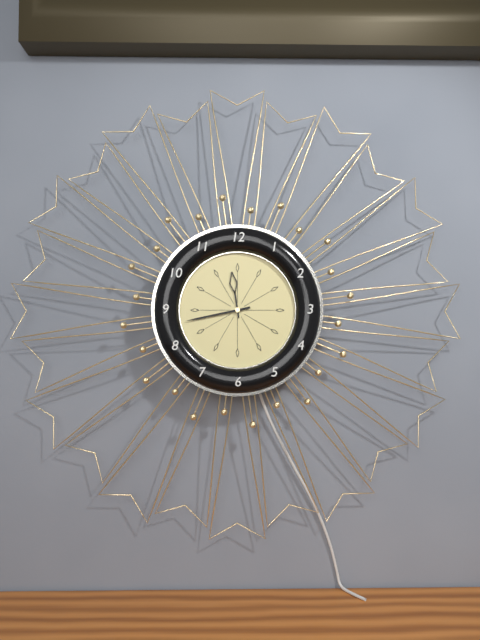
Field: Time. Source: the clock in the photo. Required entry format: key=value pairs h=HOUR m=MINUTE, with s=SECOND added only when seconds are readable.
h=11 m=43
